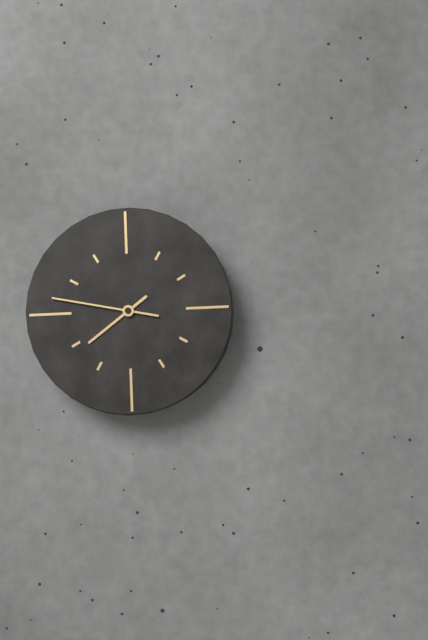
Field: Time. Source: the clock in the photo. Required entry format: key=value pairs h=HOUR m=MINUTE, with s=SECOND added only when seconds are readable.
h=7 m=47
